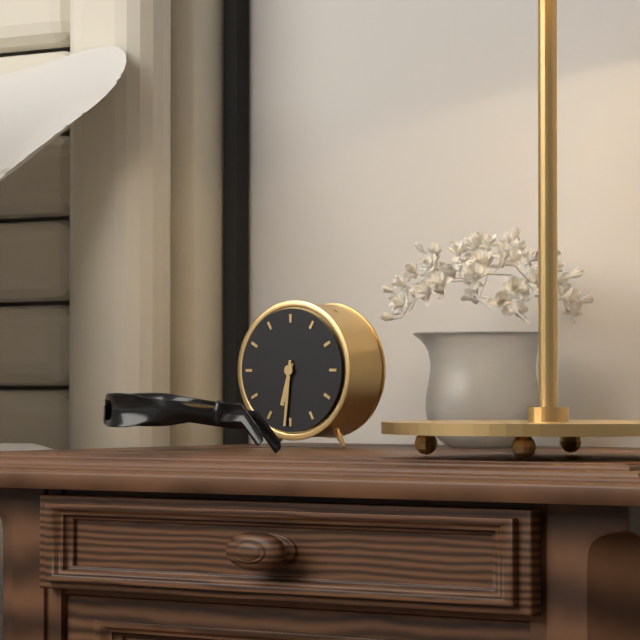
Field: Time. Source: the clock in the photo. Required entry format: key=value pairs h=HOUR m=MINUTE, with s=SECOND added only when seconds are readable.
h=6 m=31
